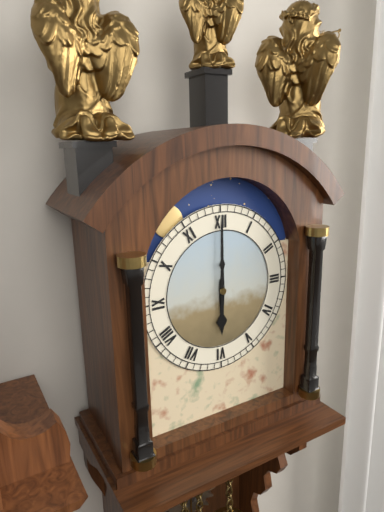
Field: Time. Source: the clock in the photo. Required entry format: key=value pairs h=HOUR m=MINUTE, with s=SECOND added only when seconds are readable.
h=6 m=0
